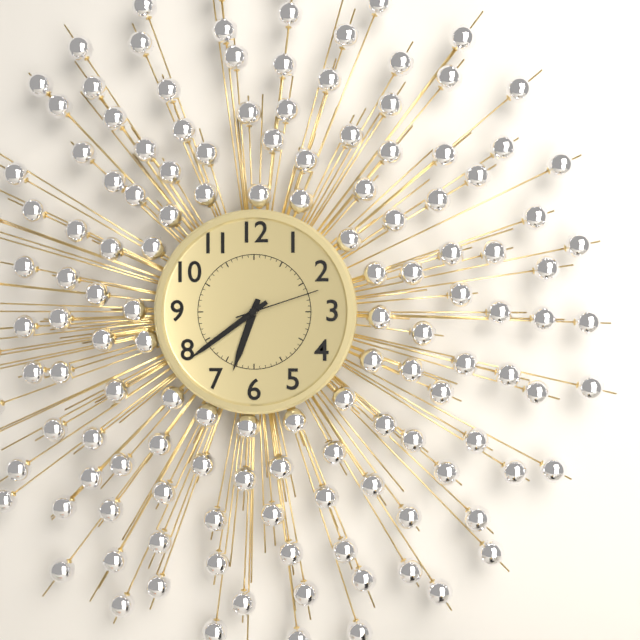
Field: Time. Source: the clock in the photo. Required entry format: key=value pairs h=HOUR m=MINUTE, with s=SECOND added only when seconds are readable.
h=6 m=39 s=12
